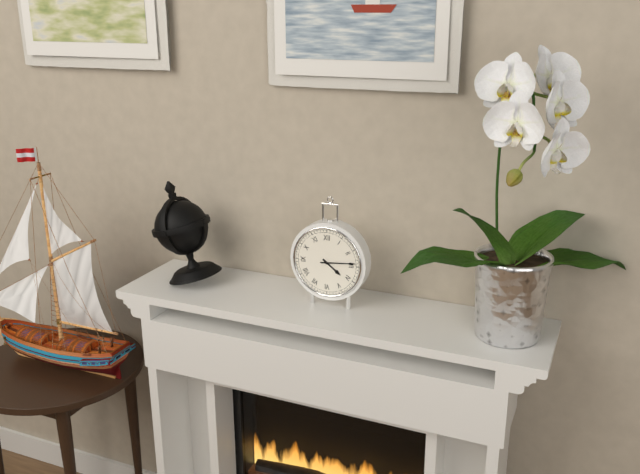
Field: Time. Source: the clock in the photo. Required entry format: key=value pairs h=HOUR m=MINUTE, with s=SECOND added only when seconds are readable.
h=4 m=14
